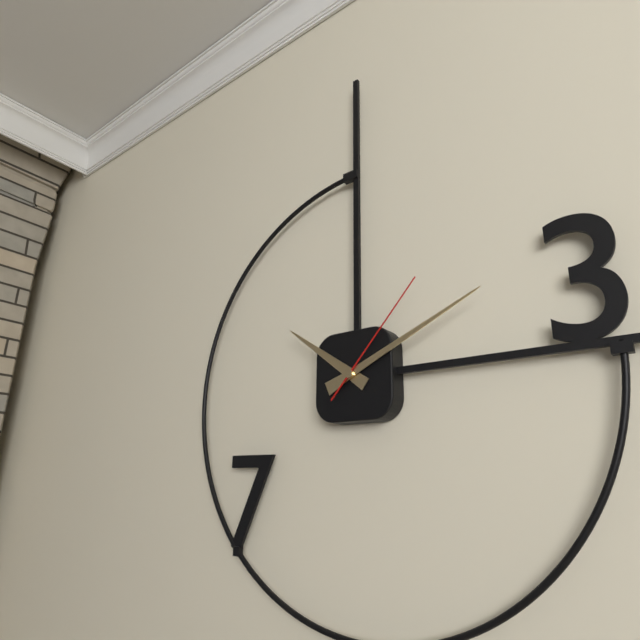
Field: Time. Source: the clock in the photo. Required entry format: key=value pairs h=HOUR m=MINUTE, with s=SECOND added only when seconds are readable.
h=10 m=11 s=7
